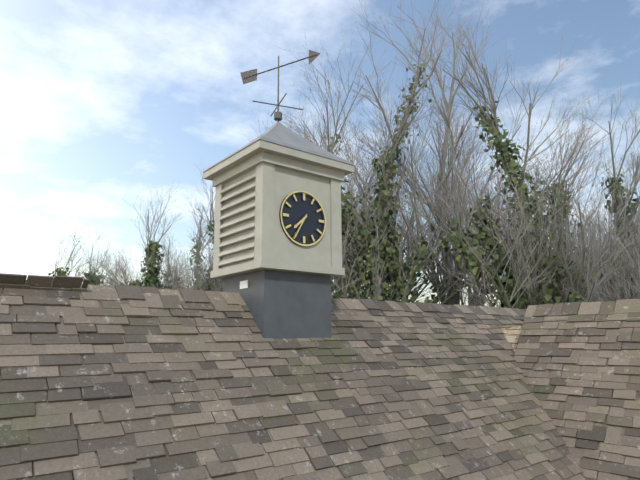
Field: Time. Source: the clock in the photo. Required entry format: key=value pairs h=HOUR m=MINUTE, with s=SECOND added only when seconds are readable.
h=7 m=35
